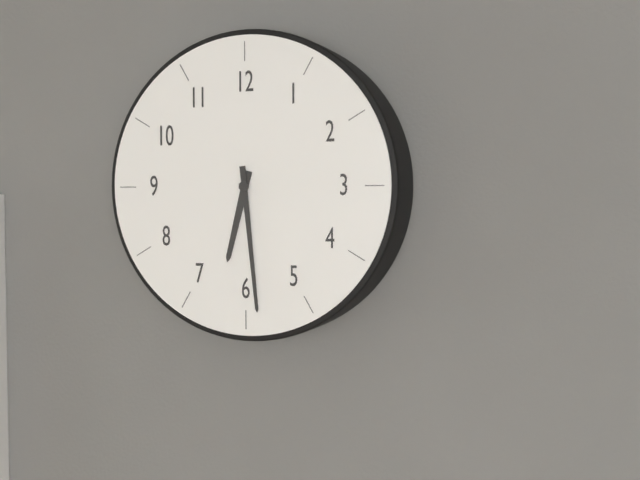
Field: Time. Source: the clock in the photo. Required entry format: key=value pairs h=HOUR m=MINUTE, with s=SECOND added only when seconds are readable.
h=6 m=29
